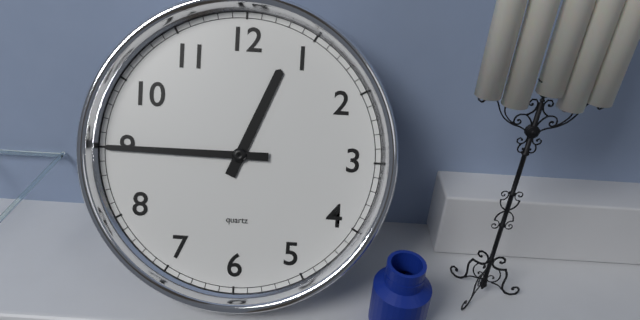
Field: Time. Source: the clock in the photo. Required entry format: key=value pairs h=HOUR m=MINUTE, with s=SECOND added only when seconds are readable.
h=12 m=45
